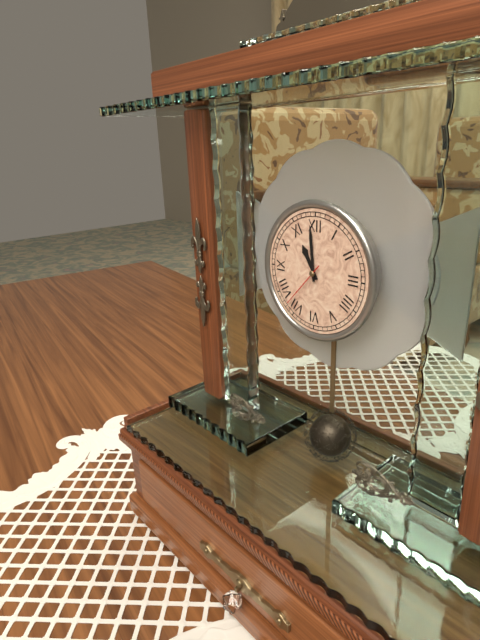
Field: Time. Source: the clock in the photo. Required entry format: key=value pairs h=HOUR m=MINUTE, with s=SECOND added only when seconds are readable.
h=10 m=59
